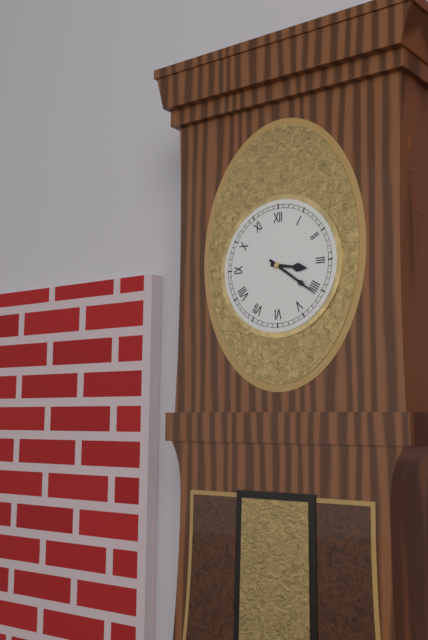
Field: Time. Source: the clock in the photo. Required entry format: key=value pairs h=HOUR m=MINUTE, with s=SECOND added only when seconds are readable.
h=3 m=21
